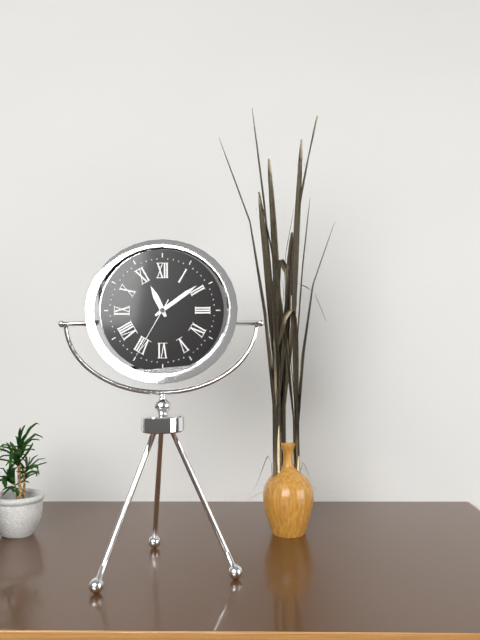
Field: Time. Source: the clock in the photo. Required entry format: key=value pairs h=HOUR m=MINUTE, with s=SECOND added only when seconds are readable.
h=11 m=9 s=35
